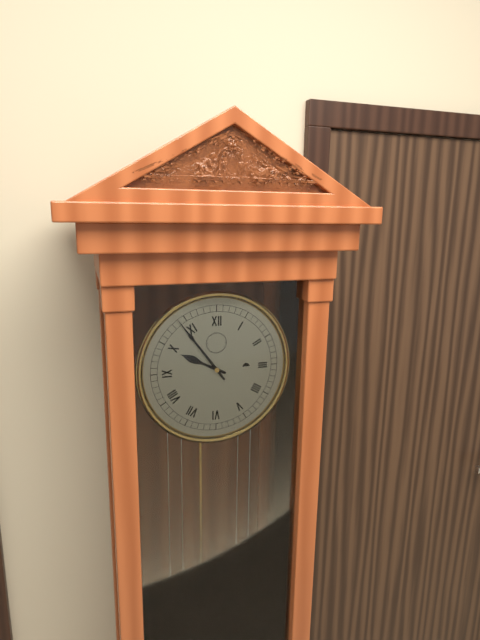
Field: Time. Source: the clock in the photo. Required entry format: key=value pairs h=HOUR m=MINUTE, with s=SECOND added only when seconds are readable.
h=9 m=54
